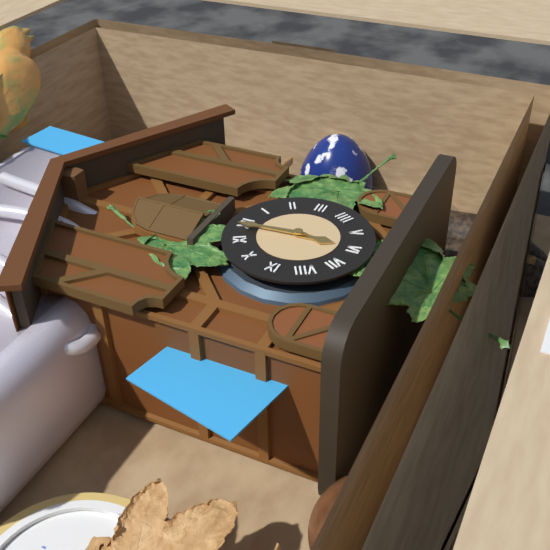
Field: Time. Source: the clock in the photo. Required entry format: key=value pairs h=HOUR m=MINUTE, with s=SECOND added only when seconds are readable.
h=5 m=59
